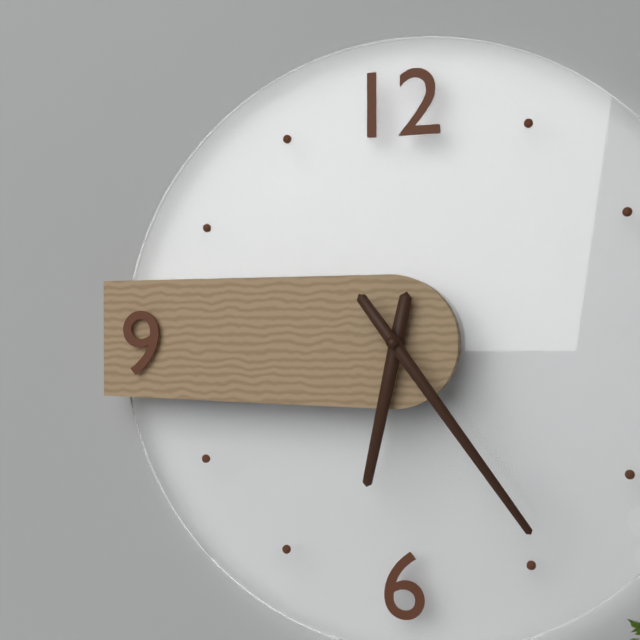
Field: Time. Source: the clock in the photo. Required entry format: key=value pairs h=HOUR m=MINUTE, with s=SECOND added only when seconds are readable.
h=6 m=24
